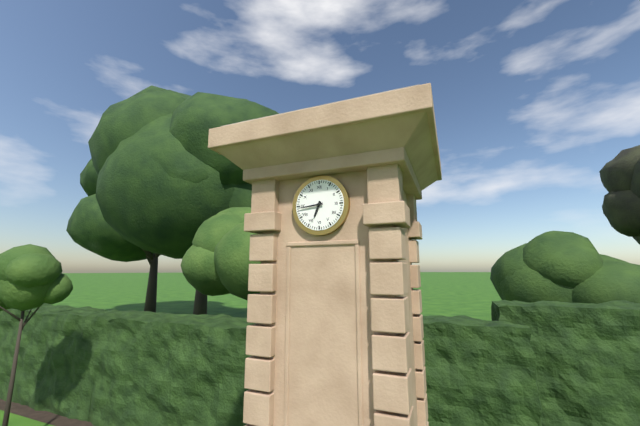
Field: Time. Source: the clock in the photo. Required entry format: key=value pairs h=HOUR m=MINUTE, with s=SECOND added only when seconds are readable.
h=6 m=44
